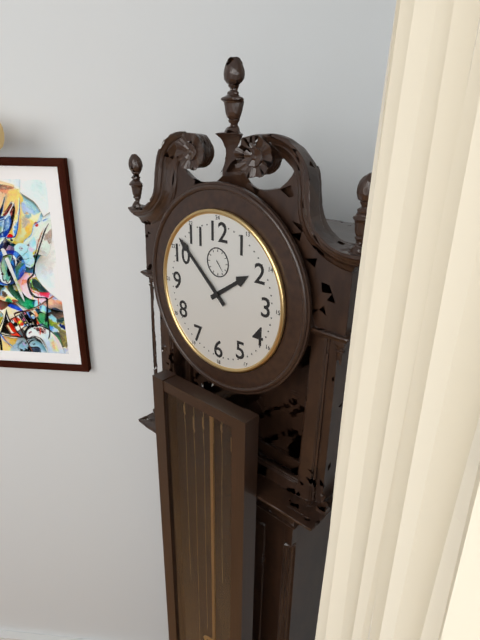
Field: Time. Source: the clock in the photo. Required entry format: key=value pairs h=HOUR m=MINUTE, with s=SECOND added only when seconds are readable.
h=1 m=52
